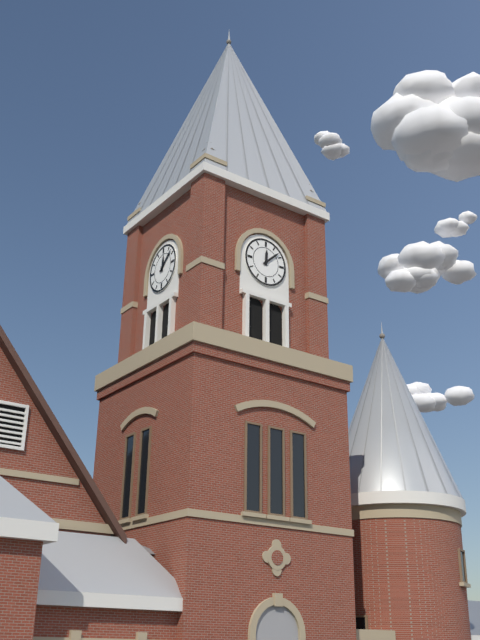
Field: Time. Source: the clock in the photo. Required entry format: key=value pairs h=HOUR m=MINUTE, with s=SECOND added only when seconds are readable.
h=12 m=8
